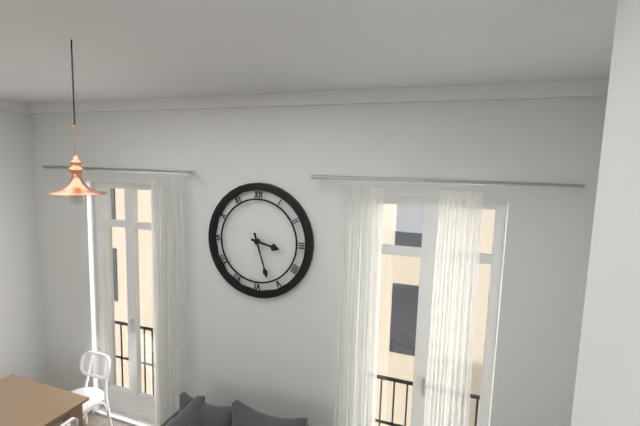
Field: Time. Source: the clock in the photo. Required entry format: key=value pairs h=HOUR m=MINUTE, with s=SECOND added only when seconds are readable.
h=3 m=27
